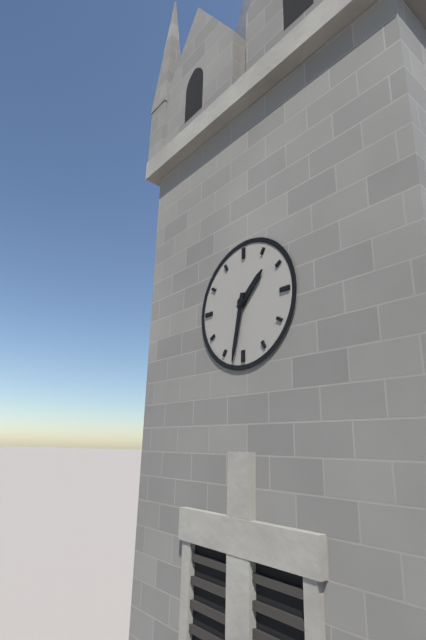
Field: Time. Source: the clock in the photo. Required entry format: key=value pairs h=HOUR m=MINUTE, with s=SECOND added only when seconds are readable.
h=1 m=32
